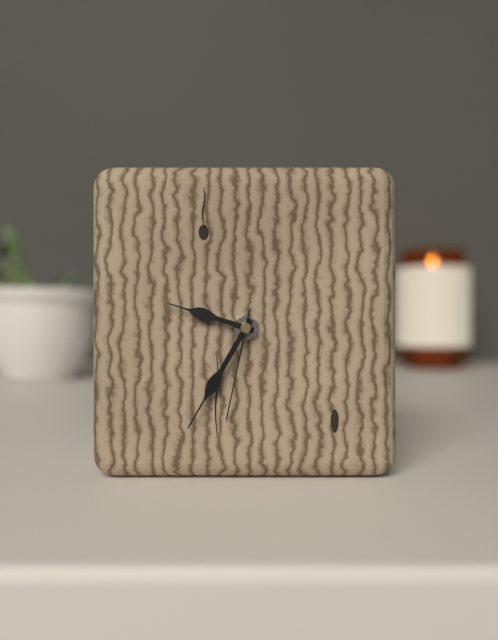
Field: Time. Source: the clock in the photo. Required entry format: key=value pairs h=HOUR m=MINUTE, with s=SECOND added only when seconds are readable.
h=9 m=35 s=32
